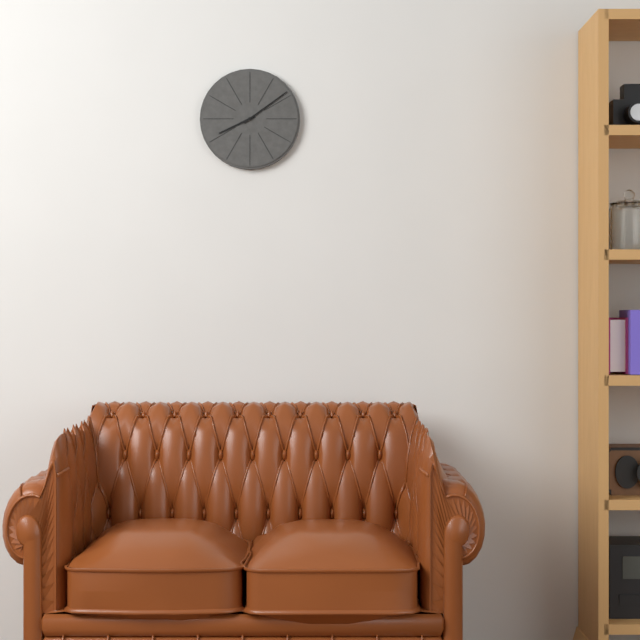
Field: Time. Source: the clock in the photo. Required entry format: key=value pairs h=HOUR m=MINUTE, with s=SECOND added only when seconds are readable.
h=8 m=9
